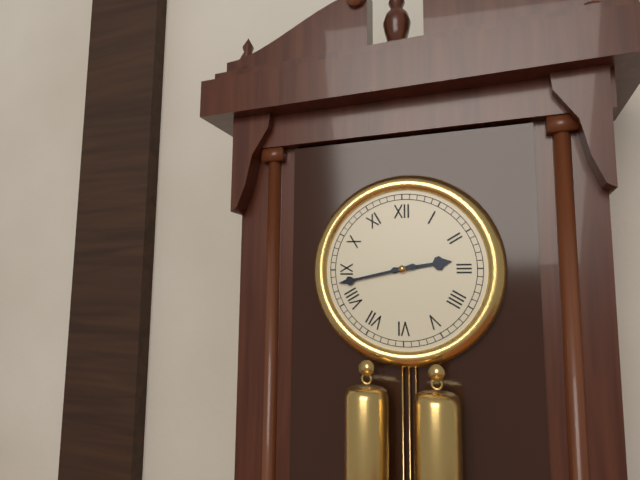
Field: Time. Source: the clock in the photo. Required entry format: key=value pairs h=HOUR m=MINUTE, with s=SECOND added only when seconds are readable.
h=2 m=43
